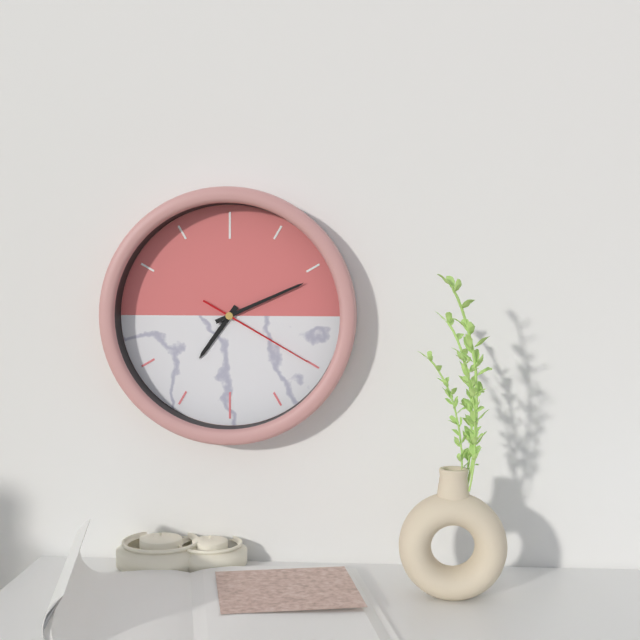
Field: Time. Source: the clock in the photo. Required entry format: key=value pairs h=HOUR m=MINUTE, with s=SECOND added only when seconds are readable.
h=7 m=11 s=20
